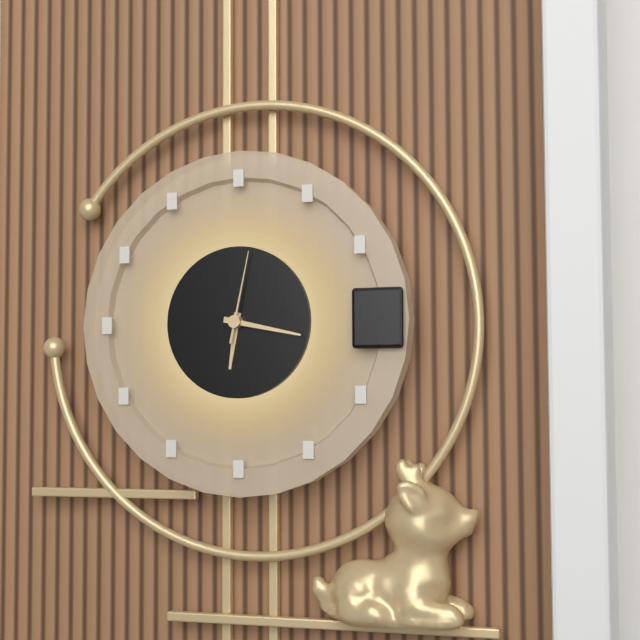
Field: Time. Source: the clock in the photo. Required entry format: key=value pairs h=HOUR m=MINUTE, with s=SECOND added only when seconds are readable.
h=6 m=17 s=2
